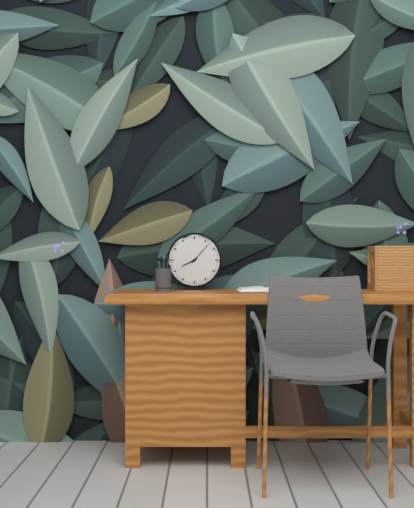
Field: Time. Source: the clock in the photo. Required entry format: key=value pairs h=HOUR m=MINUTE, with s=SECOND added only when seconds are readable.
h=8 m=7
